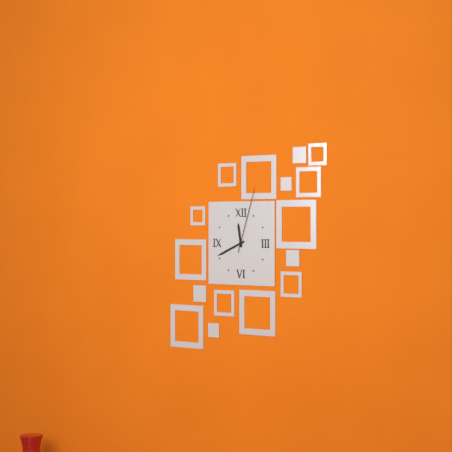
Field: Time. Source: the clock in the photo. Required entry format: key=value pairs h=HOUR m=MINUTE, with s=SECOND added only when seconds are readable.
h=11 m=41 s=3
